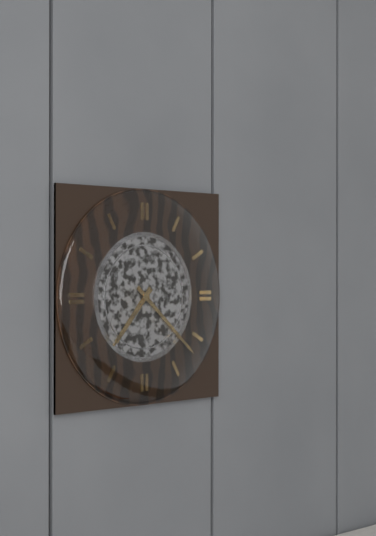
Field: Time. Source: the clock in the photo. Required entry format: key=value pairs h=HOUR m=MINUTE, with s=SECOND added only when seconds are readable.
h=7 m=22
